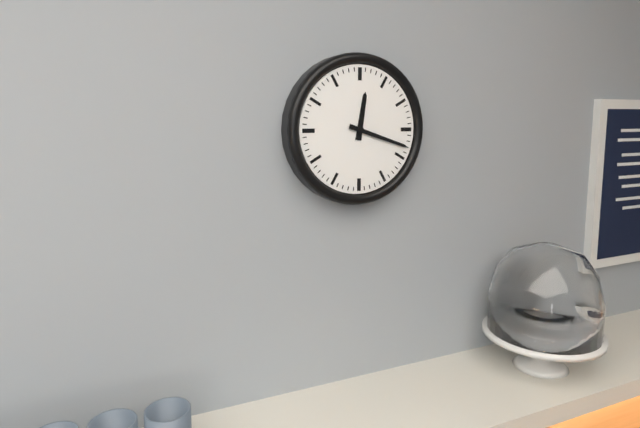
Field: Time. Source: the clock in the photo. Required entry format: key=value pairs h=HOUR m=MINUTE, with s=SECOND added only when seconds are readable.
h=12 m=18
